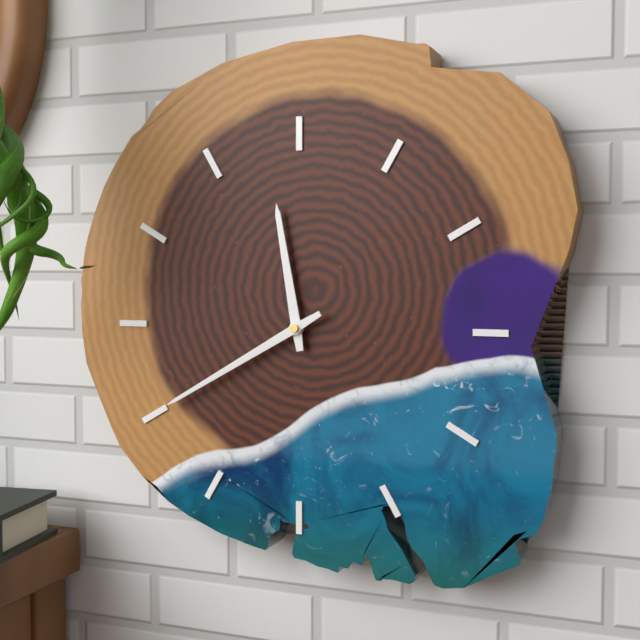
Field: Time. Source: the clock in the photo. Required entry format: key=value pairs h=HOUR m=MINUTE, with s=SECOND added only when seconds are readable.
h=11 m=40
